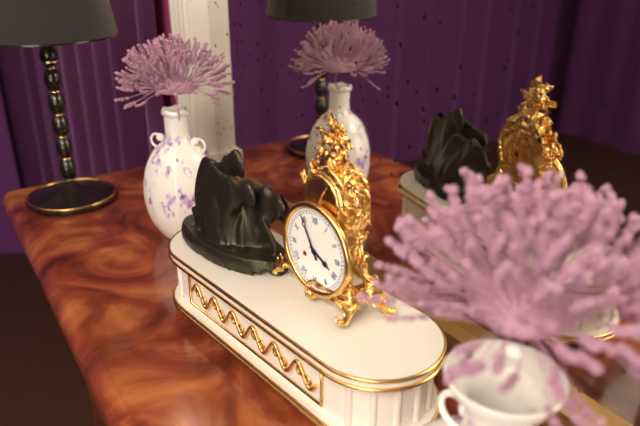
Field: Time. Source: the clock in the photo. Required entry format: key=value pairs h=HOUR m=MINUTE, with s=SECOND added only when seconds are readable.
h=3 m=55
